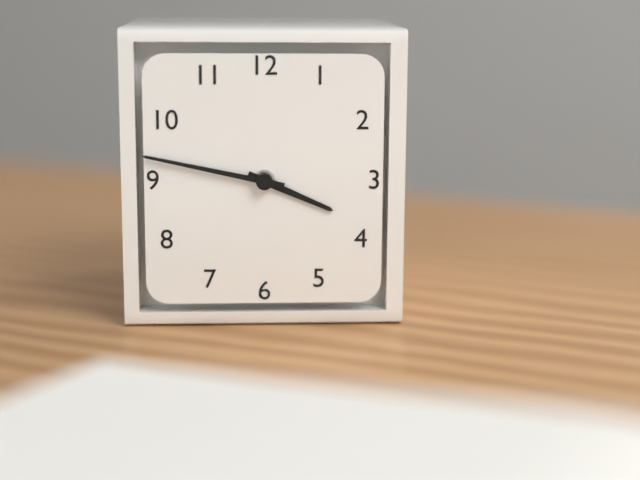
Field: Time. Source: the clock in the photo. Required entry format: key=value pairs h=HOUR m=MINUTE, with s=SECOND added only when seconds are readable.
h=3 m=47
